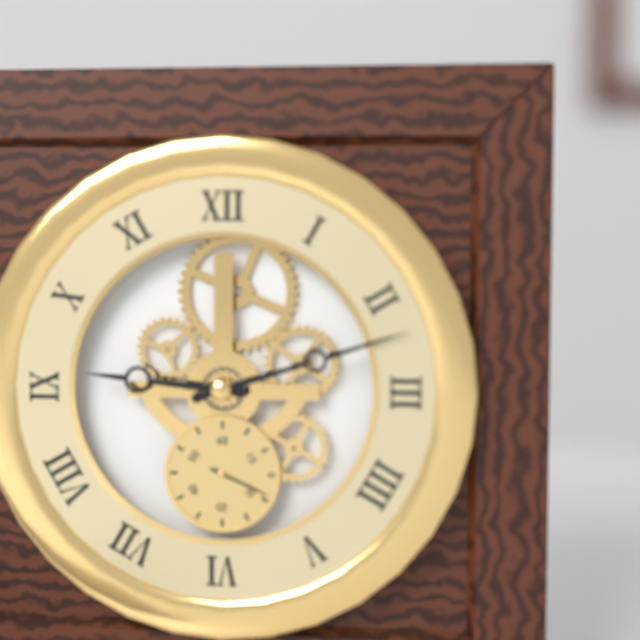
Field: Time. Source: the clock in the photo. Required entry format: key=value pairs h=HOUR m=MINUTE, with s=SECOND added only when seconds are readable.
h=9 m=12 s=19
